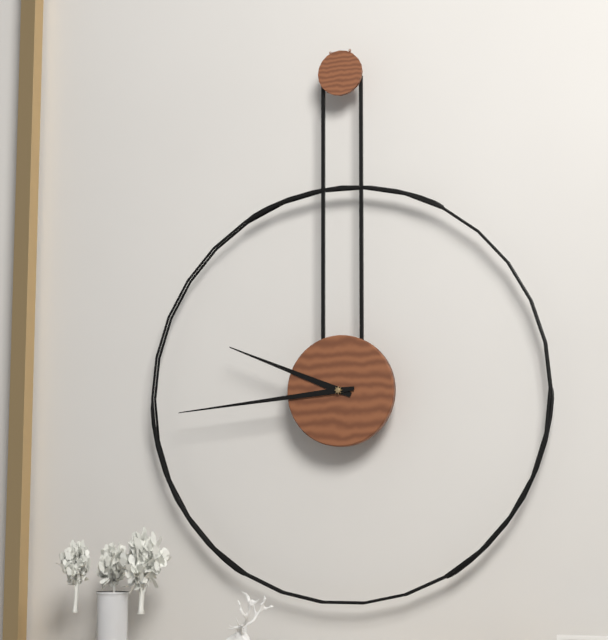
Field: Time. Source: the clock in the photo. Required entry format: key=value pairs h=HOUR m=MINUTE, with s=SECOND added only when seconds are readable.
h=9 m=44
